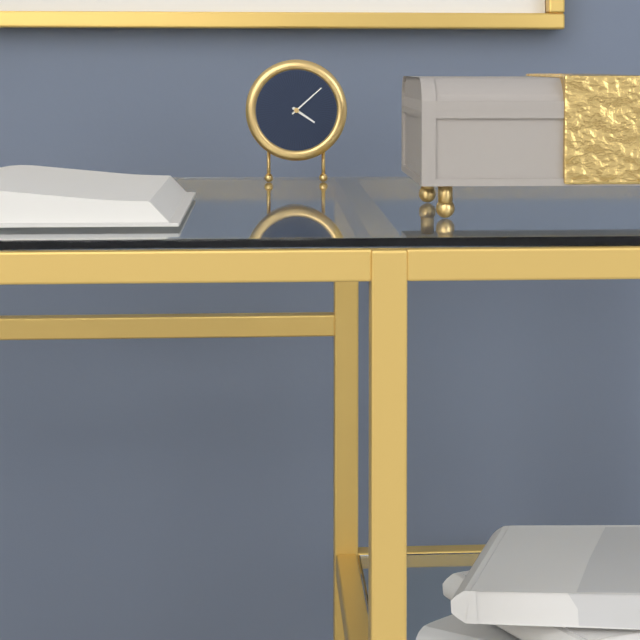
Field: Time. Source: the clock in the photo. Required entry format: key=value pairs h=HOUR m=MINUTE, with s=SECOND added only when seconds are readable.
h=4 m=8
